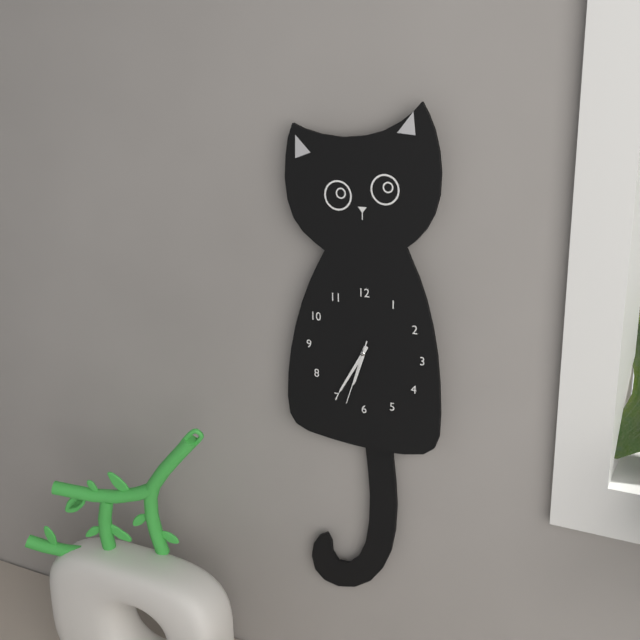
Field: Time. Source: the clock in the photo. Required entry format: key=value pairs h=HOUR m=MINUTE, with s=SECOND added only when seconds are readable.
h=6 m=35 s=33
